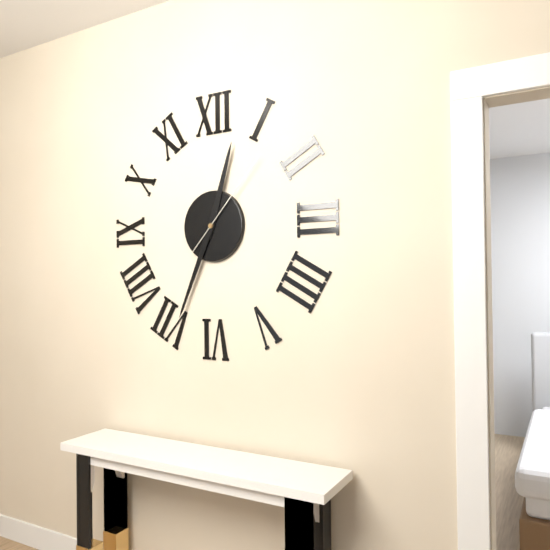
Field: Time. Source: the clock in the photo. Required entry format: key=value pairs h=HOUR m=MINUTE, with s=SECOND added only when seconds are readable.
h=12 m=34 s=7
